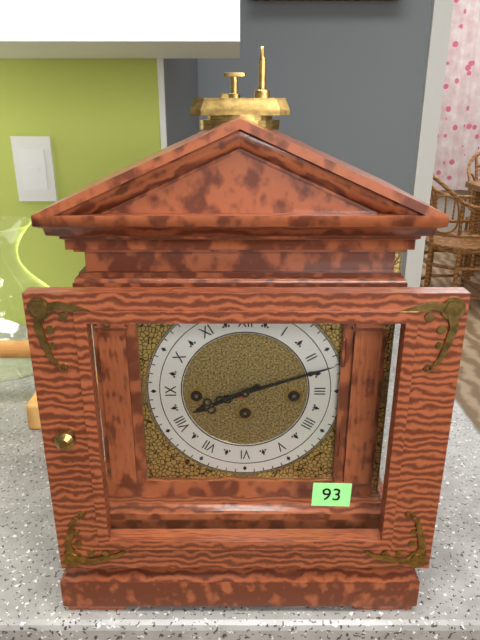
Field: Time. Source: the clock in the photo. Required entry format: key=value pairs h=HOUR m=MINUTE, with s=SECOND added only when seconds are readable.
h=8 m=12
